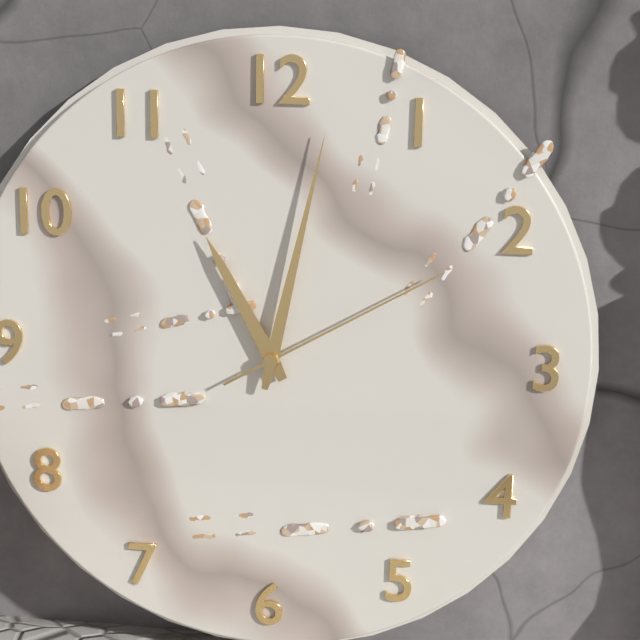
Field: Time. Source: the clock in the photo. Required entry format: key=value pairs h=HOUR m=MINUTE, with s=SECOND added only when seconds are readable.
h=11 m=2 s=10
